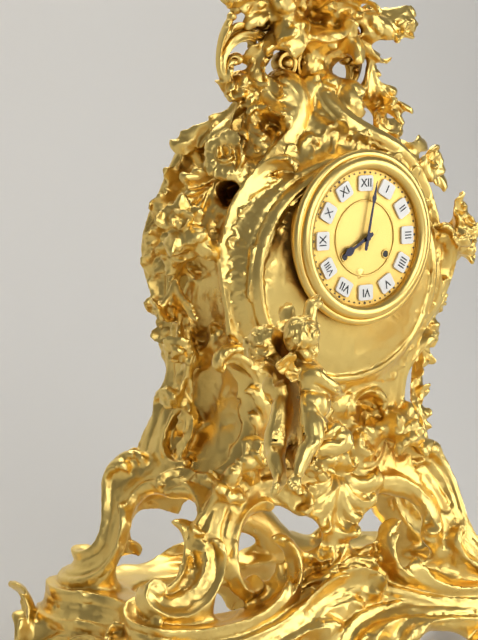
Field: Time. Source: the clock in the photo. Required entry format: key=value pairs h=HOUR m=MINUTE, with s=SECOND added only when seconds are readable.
h=8 m=2
